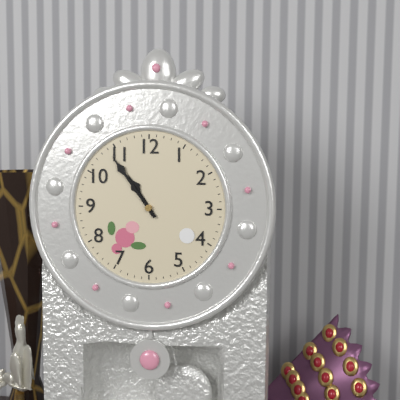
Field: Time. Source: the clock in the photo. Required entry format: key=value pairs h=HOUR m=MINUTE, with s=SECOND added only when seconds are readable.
h=10 m=54
